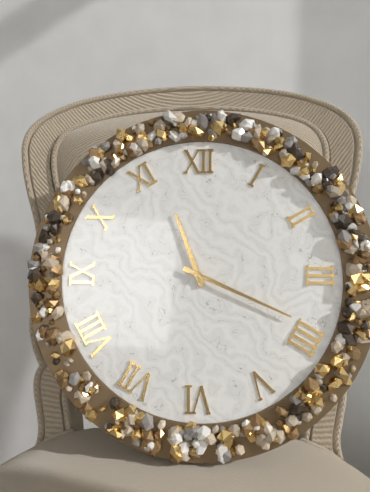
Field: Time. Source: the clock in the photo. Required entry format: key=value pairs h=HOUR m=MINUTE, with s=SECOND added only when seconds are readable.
h=11 m=19
